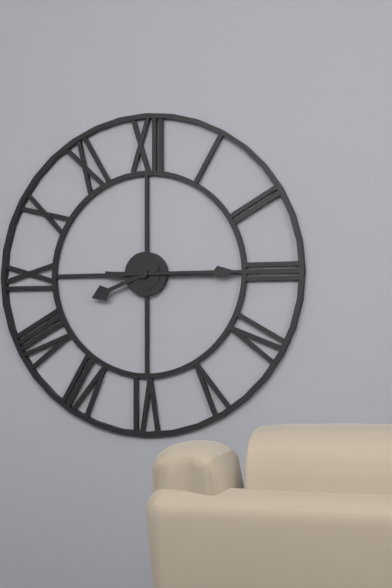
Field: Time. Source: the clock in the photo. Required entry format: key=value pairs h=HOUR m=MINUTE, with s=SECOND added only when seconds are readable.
h=8 m=15
